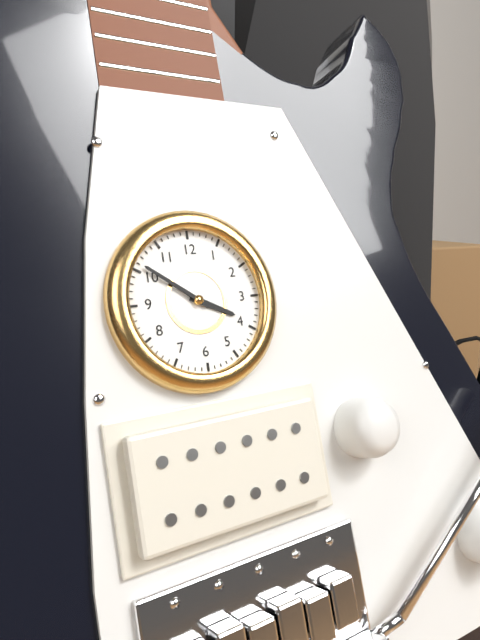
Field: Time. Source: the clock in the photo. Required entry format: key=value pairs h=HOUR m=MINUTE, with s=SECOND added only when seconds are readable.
h=3 m=51
